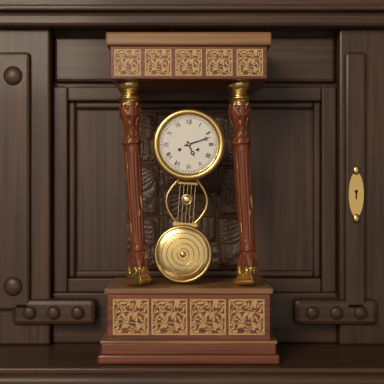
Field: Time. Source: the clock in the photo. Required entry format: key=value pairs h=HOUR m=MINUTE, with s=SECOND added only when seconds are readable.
h=5 m=12
